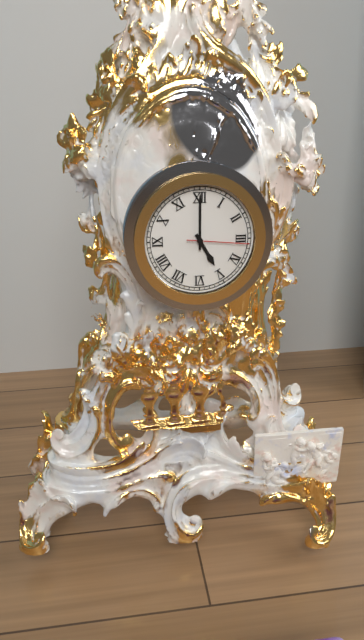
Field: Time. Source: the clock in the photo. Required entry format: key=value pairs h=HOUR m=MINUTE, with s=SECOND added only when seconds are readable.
h=5 m=0 s=16
